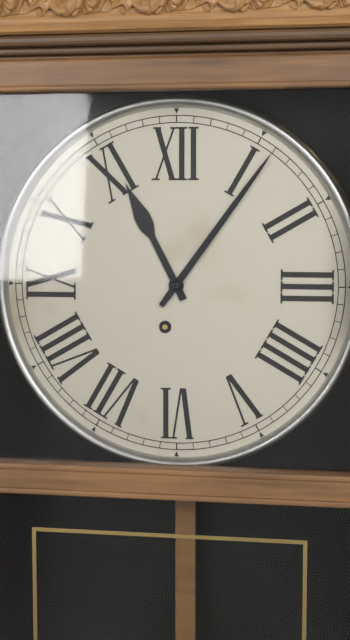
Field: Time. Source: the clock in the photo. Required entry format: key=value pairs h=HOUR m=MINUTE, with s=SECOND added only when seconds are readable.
h=11 m=6
